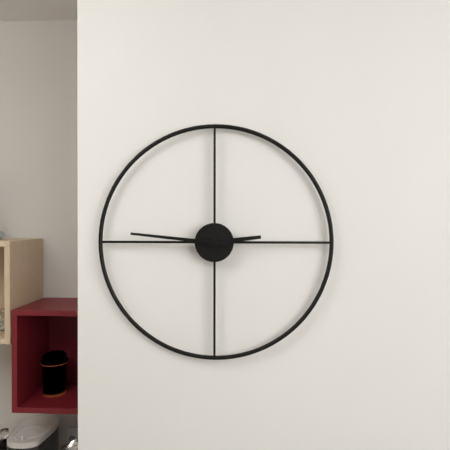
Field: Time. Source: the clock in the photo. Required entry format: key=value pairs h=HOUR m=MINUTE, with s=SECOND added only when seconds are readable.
h=2 m=46
